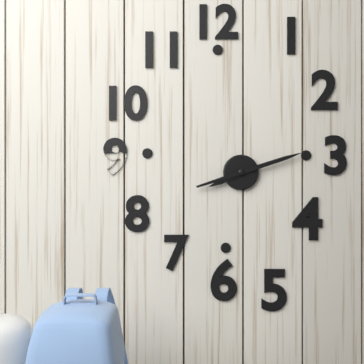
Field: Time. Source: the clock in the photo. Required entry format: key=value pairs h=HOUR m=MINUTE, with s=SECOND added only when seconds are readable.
h=8 m=12
